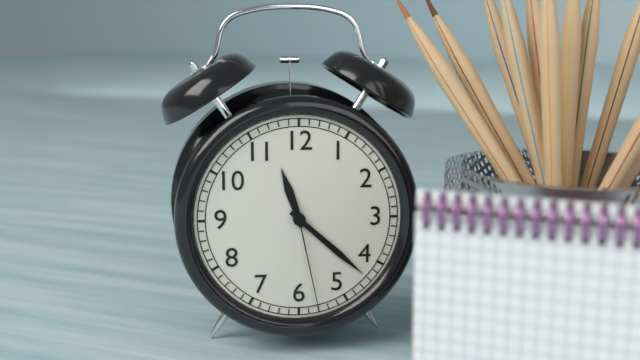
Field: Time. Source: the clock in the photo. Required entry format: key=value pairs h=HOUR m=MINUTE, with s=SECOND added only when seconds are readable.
h=11 m=22 s=28
